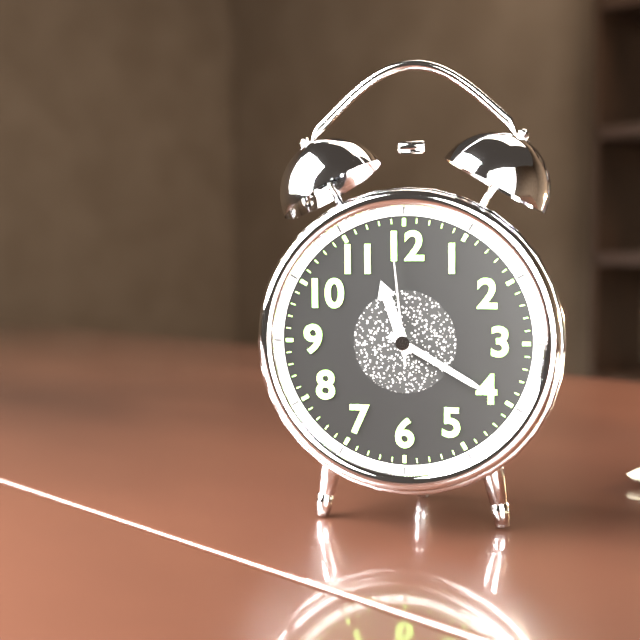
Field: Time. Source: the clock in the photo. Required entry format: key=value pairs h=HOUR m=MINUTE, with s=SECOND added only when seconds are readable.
h=11 m=20 s=59
